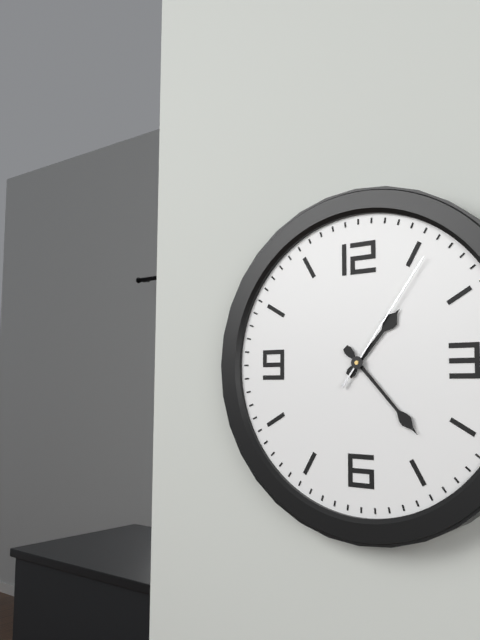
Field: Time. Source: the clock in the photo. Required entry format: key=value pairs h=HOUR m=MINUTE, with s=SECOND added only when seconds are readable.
h=1 m=23 s=6
